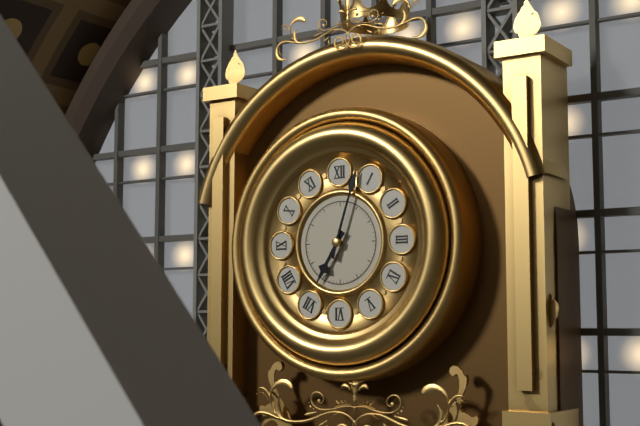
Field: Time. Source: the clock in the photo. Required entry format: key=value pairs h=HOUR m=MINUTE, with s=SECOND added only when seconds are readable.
h=7 m=3
